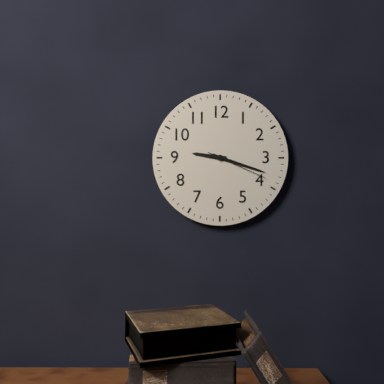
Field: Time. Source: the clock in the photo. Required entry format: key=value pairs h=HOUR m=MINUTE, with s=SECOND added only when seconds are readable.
h=9 m=18 s=19
